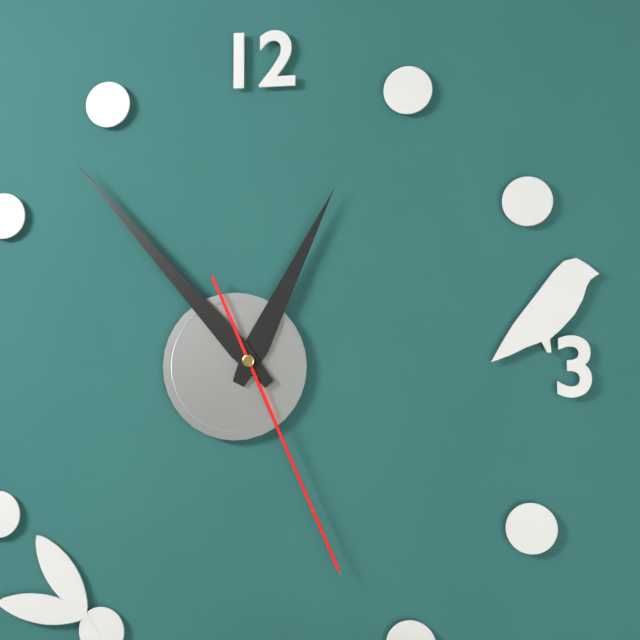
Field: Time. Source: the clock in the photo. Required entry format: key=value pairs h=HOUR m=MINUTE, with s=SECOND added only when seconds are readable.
h=12 m=53 s=26
